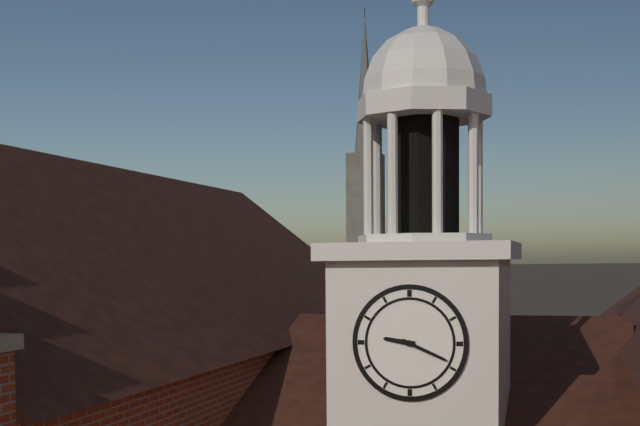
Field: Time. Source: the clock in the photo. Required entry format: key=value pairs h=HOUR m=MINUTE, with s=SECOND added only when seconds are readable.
h=9 m=19
